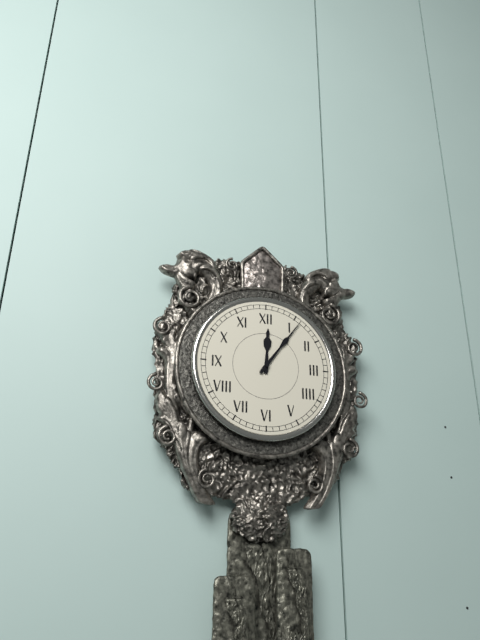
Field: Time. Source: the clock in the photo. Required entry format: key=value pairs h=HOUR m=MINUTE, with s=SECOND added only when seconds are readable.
h=12 m=6
